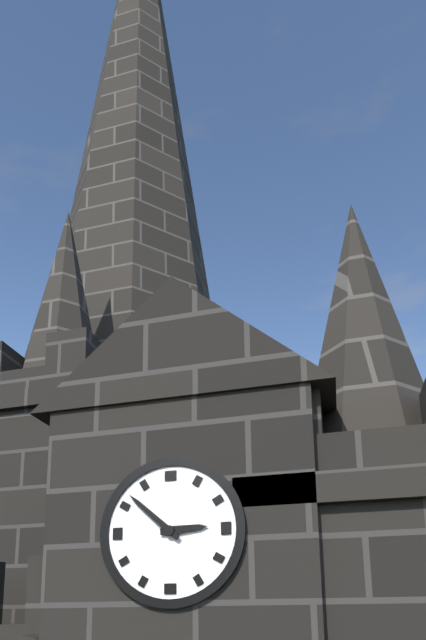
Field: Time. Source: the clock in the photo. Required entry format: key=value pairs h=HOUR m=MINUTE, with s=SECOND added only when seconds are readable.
h=2 m=52
